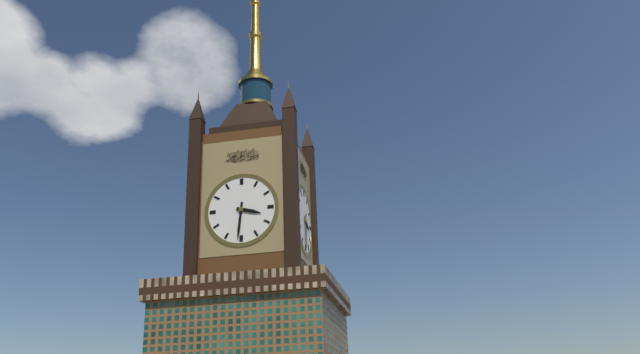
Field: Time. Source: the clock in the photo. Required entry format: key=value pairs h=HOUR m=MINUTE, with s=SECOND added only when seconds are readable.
h=3 m=31
